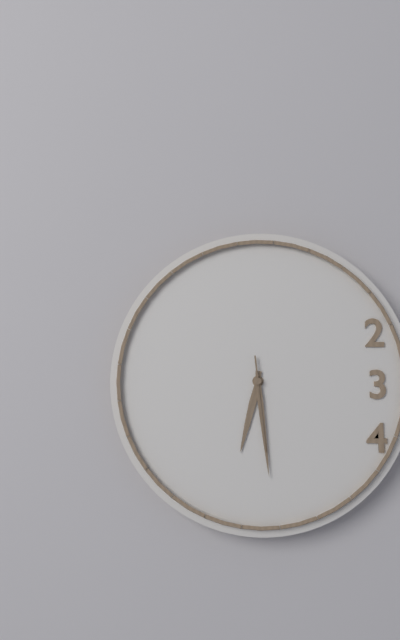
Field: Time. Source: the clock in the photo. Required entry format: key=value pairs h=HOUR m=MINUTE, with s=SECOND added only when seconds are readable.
h=6 m=29 s=29
